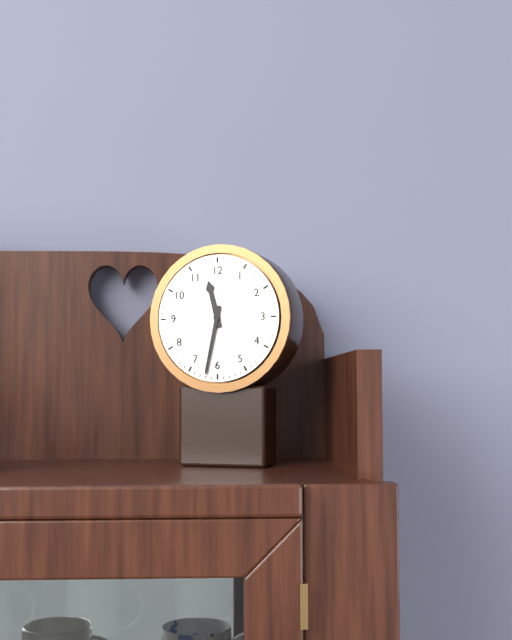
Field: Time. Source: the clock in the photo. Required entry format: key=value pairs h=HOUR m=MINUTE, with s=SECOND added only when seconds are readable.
h=11 m=32
